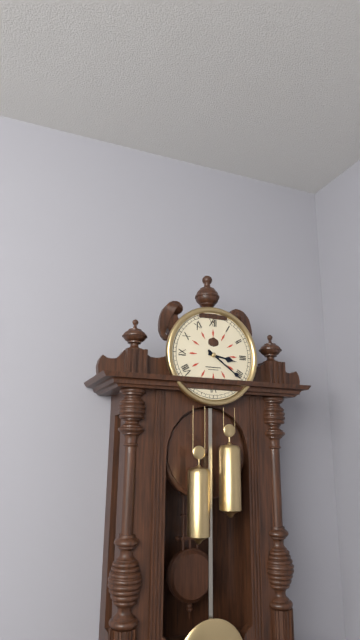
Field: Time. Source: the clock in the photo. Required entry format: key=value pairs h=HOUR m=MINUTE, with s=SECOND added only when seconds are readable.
h=3 m=21
